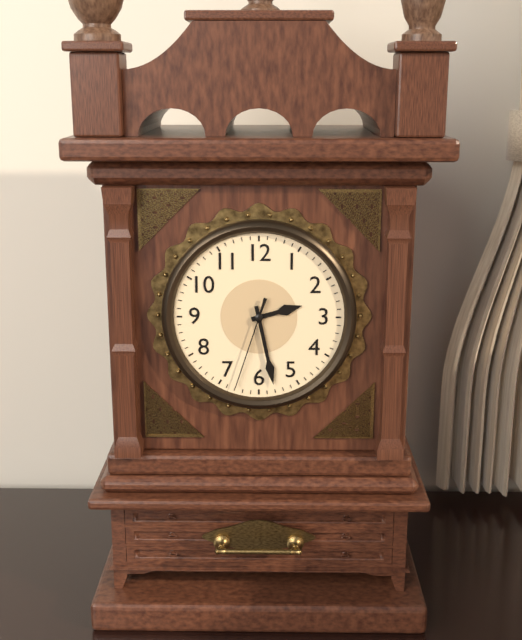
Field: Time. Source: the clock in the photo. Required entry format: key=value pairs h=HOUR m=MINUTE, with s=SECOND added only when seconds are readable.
h=2 m=28 s=33
